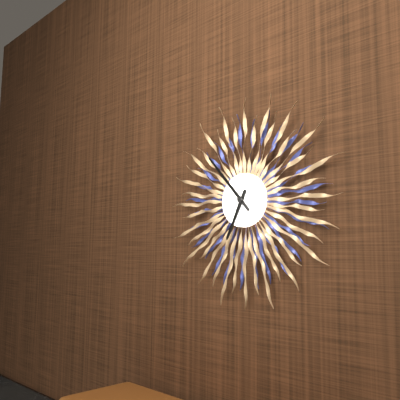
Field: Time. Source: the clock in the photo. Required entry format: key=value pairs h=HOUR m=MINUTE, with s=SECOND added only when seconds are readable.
h=6 m=53
